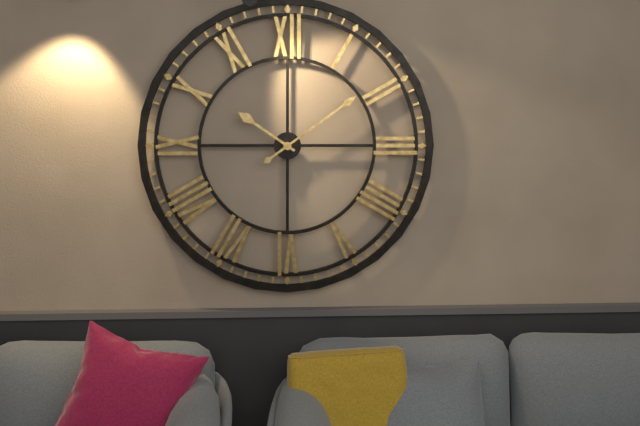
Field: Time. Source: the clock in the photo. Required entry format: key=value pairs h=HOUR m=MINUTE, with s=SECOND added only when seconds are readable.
h=10 m=9
